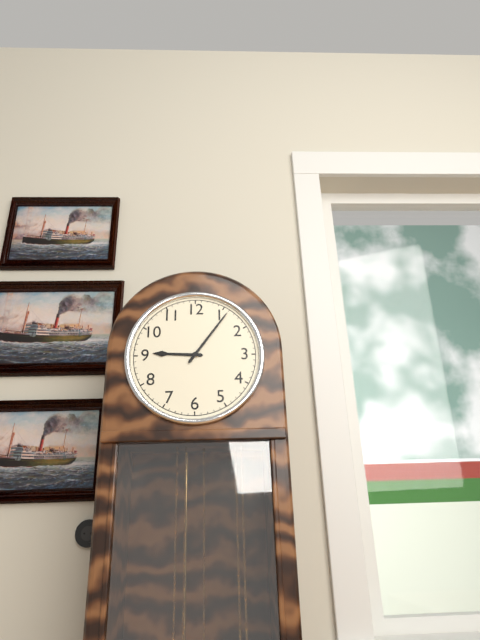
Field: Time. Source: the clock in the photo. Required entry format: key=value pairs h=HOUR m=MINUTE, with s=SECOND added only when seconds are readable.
h=9 m=6
